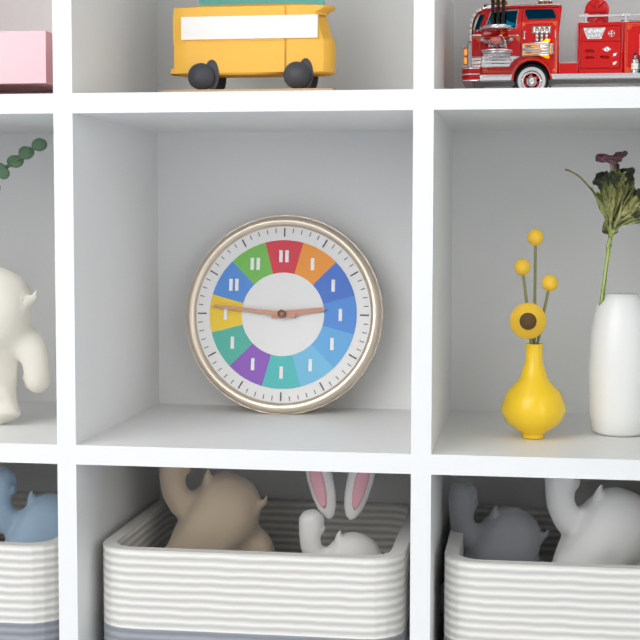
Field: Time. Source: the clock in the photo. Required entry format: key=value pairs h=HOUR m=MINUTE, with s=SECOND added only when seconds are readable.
h=2 m=46
